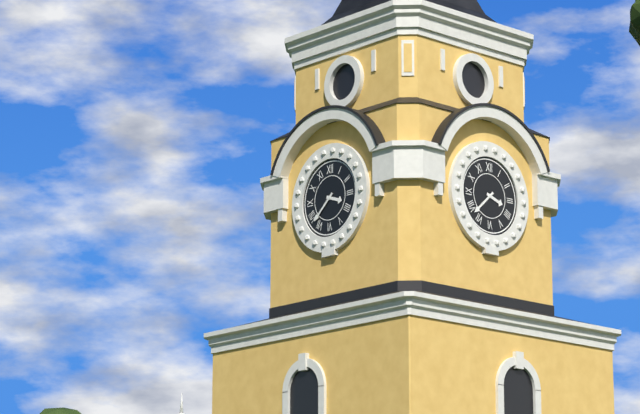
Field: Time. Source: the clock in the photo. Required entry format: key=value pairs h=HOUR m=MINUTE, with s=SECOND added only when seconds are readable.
h=3 m=38
